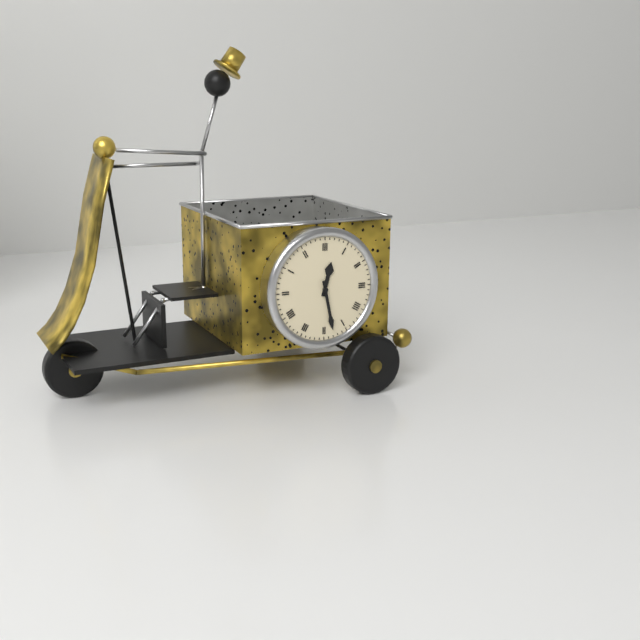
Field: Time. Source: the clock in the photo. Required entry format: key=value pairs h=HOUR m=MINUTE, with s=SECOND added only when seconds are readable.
h=12 m=28
